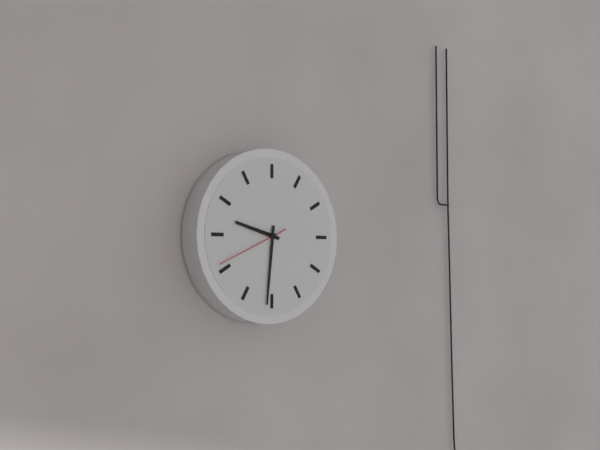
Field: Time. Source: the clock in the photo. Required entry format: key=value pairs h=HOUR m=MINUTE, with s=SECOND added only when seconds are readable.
h=9 m=31 s=41
